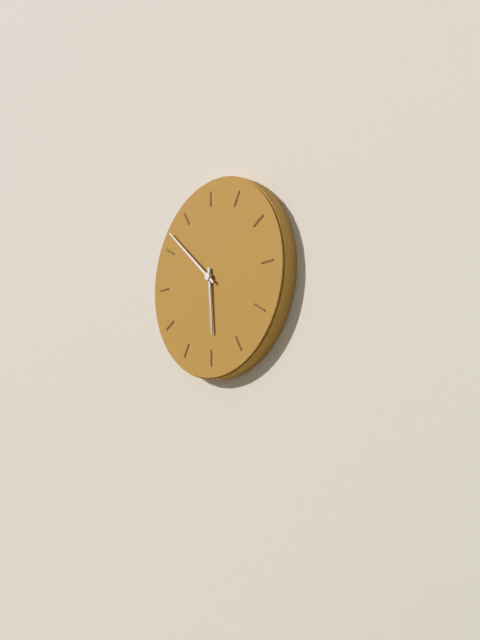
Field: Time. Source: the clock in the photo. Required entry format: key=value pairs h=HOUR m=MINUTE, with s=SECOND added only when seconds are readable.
h=5 m=52
